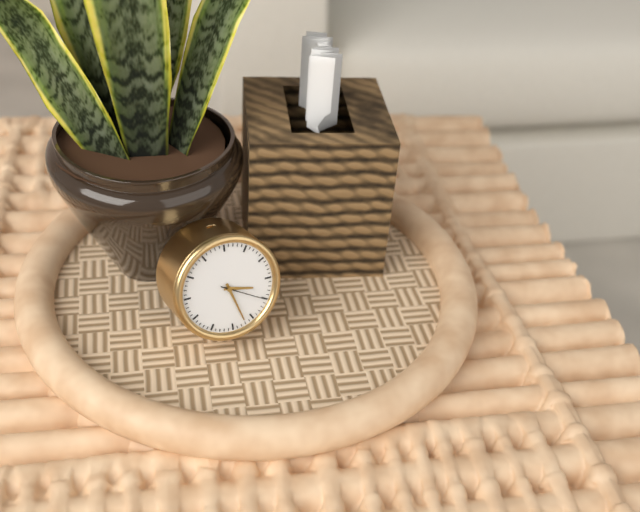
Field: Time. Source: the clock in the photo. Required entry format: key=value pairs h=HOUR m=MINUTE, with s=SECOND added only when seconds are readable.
h=3 m=27
